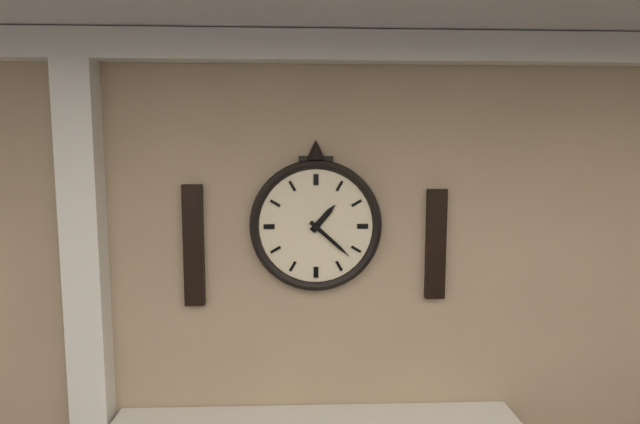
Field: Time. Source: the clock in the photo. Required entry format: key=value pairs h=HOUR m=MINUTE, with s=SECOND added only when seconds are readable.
h=1 m=22
